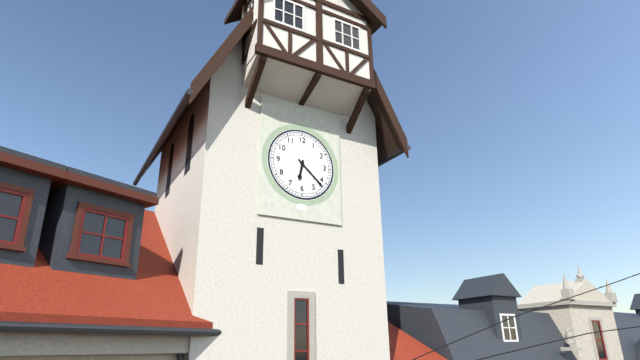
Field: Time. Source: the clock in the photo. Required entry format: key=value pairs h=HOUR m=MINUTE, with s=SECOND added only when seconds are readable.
h=6 m=22
